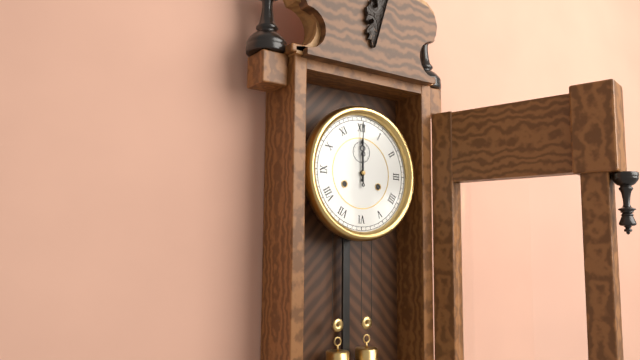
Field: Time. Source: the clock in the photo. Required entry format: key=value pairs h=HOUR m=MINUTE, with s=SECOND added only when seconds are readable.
h=12 m=0
